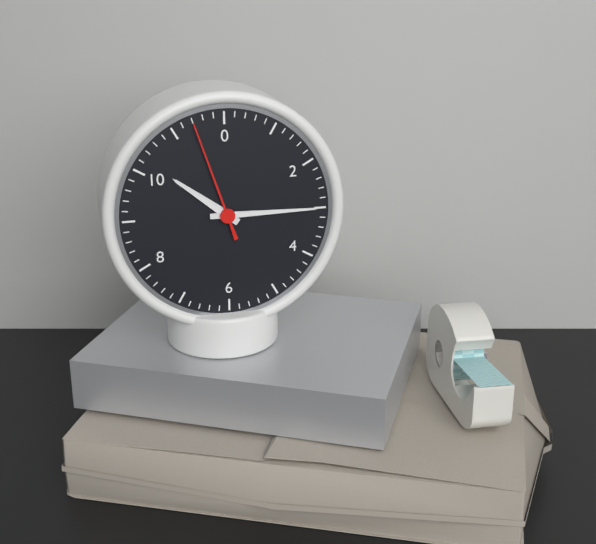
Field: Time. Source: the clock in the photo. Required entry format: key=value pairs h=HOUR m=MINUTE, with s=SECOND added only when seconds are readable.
h=10 m=15 s=57
